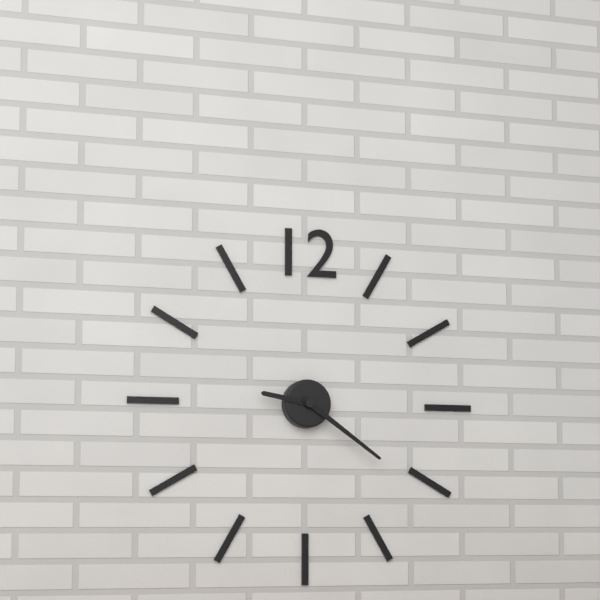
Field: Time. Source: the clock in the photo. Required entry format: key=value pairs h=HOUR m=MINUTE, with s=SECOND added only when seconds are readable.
h=9 m=21
